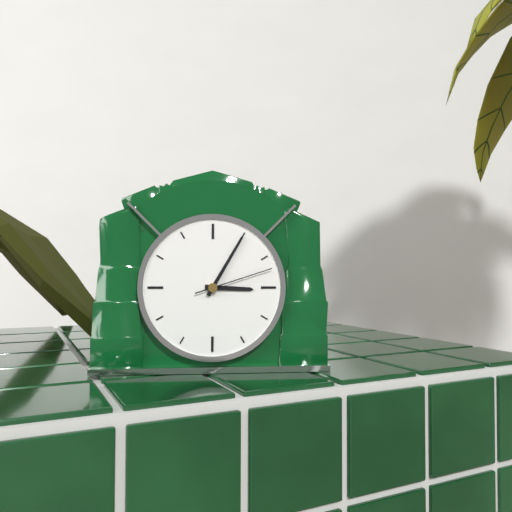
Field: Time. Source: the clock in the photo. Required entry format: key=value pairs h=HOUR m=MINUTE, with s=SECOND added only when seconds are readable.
h=3 m=5 s=12
